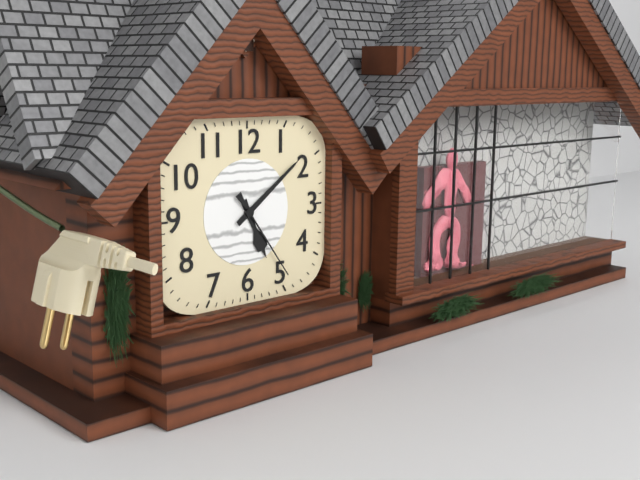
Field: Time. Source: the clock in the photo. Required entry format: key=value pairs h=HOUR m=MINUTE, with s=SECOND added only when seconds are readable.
h=5 m=9 s=24
